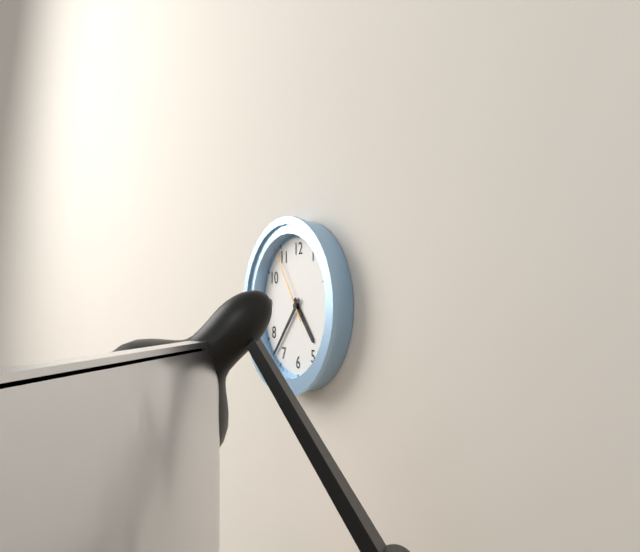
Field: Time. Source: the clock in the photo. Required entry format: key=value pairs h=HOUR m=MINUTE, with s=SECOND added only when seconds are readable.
h=4 m=37 s=54
